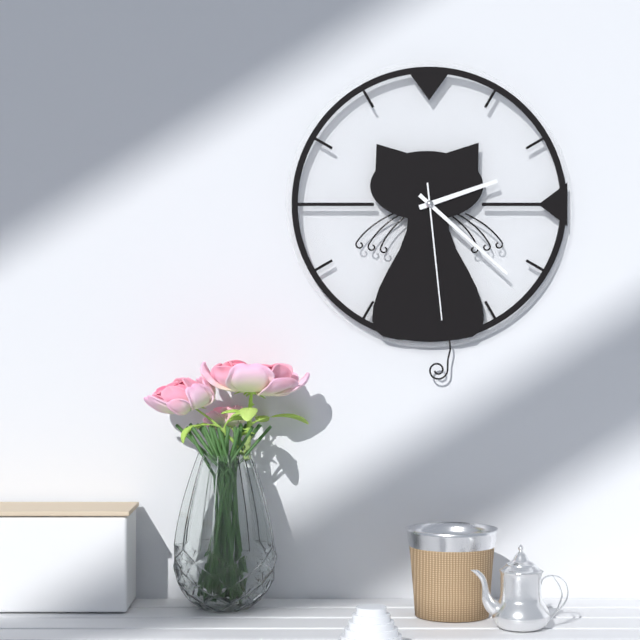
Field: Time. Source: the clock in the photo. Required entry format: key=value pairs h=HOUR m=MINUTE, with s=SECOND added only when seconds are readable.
h=2 m=22 s=29
